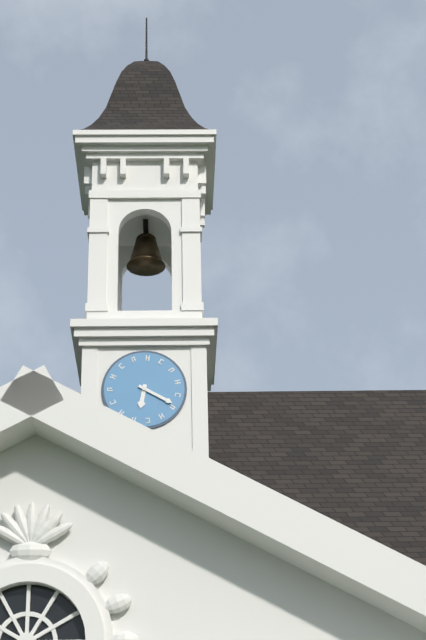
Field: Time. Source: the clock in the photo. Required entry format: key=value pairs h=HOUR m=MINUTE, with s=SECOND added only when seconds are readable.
h=6 m=20
